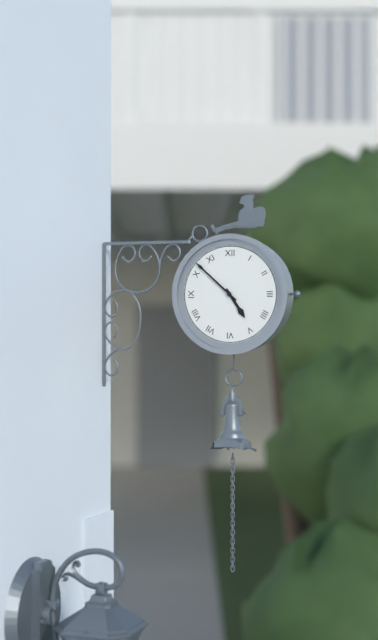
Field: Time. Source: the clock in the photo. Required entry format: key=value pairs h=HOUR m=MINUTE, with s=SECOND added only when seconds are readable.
h=4 m=52
